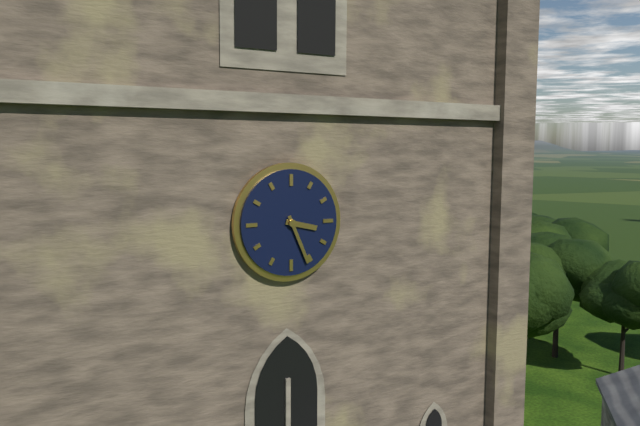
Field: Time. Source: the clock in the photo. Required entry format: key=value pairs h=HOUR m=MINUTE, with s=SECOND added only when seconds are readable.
h=3 m=26
